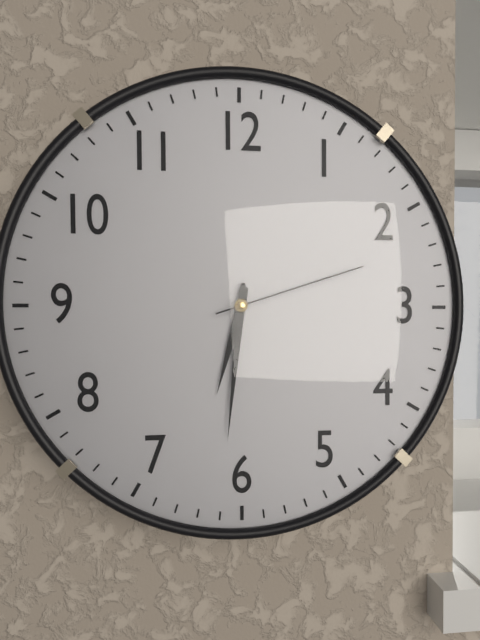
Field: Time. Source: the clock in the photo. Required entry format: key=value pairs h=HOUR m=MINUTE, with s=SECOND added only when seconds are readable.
h=6 m=31 s=12
